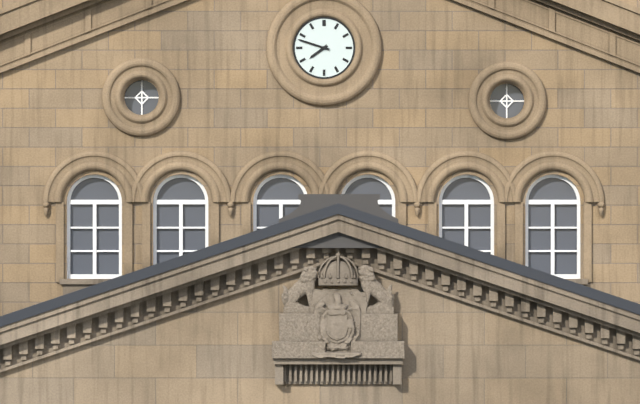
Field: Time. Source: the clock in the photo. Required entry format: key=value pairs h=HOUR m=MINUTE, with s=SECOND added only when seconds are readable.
h=7 m=48
